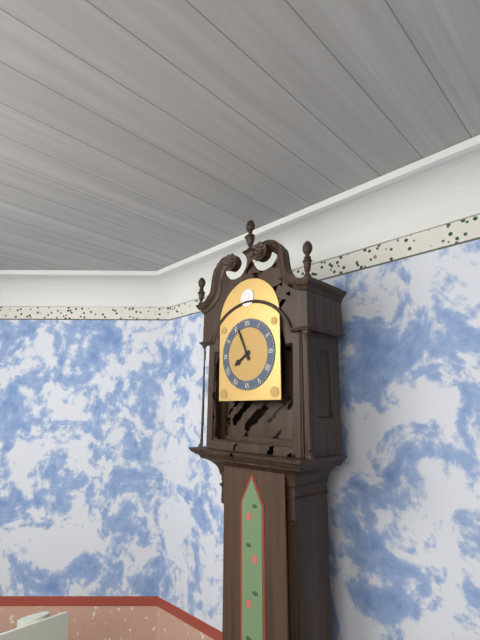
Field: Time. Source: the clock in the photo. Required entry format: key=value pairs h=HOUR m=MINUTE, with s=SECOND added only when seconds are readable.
h=7 m=56
